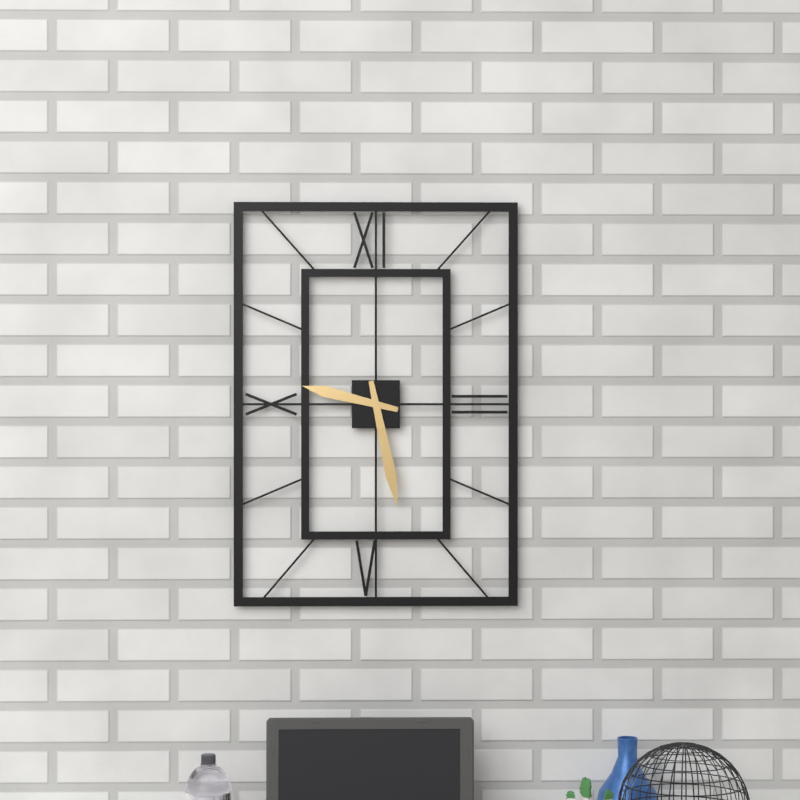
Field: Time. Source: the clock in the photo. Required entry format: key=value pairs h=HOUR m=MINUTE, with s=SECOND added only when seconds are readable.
h=9 m=28
